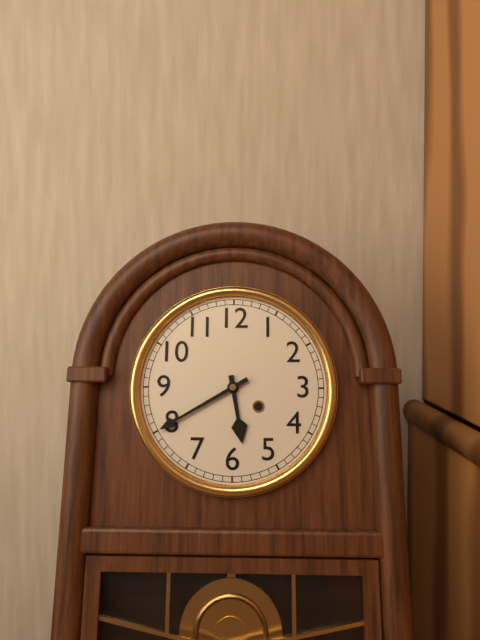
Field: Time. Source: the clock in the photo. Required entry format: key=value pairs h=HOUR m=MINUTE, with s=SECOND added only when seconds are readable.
h=5 m=40
